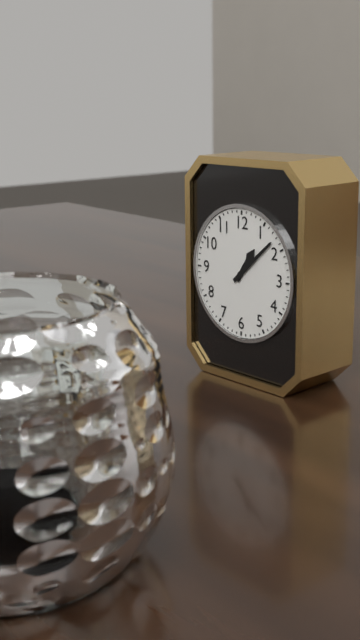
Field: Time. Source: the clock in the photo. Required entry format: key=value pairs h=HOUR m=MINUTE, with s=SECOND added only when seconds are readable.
h=1 m=8
